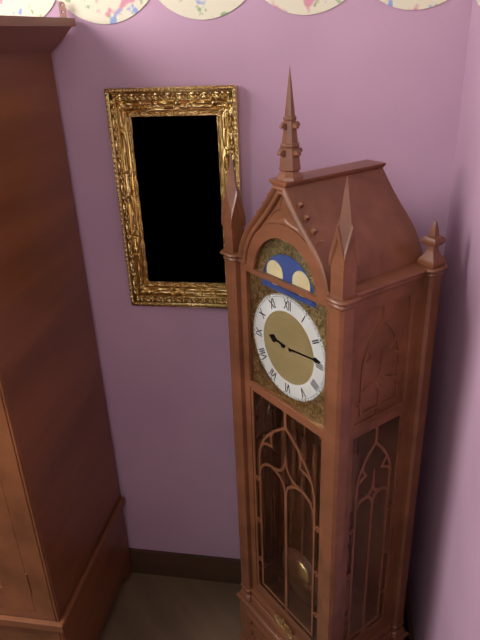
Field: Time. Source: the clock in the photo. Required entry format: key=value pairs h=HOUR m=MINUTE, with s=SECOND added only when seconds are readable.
h=9 m=14
